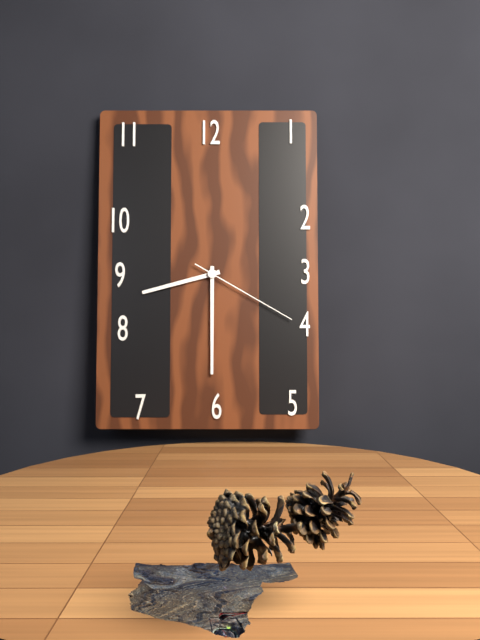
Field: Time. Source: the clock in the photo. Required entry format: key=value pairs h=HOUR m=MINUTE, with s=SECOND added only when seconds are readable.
h=8 m=30 s=20
